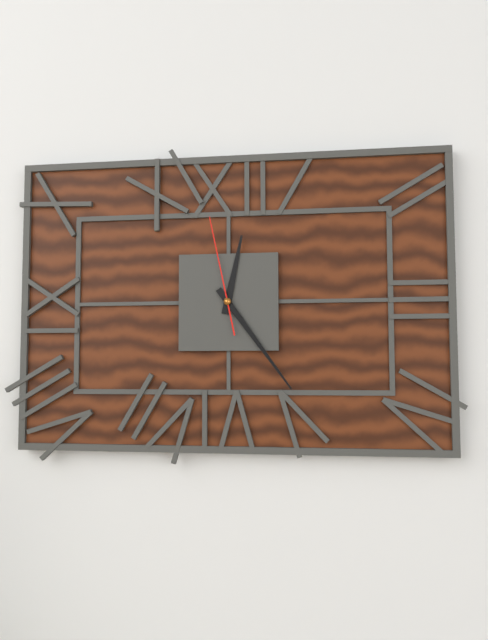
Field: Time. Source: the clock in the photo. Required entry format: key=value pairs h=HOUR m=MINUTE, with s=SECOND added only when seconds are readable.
h=12 m=24 s=58
